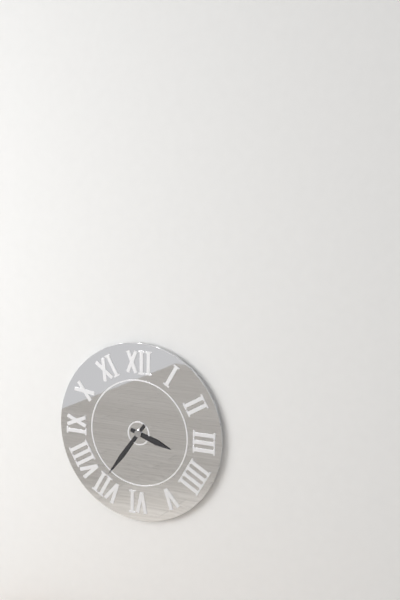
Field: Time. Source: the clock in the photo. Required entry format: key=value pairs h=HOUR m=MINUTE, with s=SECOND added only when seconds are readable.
h=3 m=36
